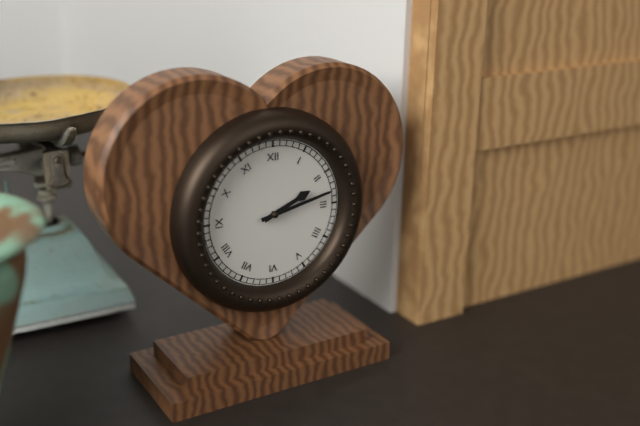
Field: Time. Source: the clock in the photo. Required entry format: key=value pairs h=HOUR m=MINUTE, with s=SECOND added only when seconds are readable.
h=2 m=13
